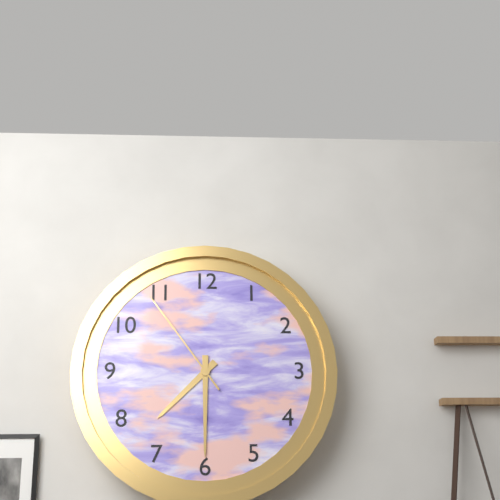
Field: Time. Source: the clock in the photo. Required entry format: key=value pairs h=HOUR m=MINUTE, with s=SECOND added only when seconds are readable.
h=7 m=30 s=54
